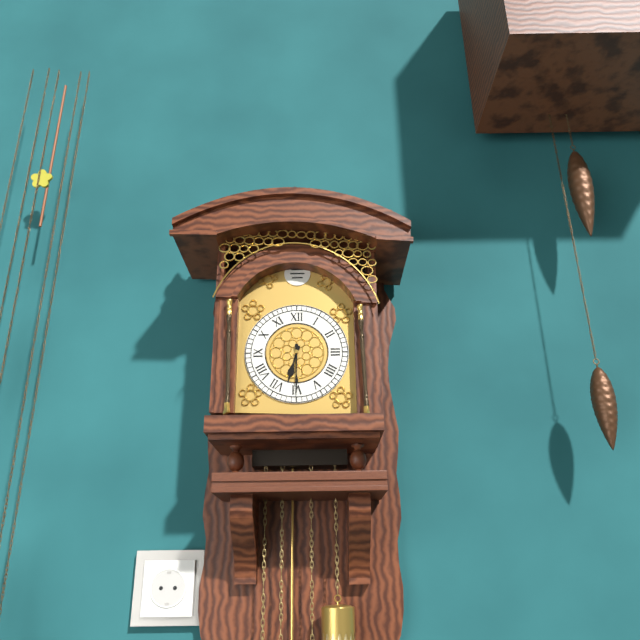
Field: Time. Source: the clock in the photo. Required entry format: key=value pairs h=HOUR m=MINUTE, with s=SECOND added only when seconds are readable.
h=6 m=30
